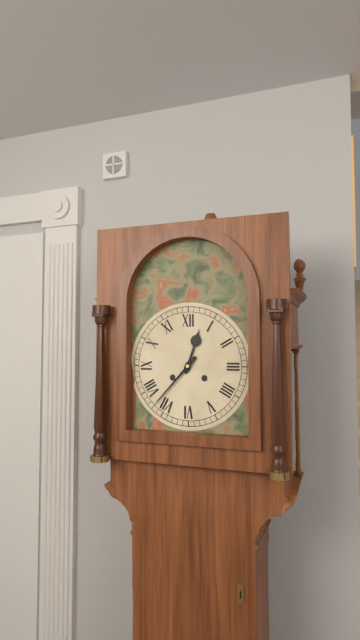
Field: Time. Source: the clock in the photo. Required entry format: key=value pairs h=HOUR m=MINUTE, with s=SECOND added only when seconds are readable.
h=12 m=37
